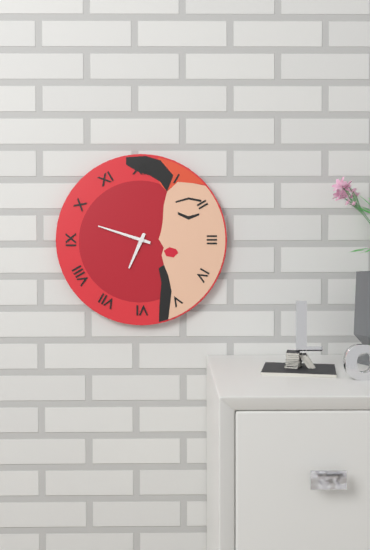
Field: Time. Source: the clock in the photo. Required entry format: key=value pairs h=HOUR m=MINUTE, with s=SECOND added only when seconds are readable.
h=6 m=48
